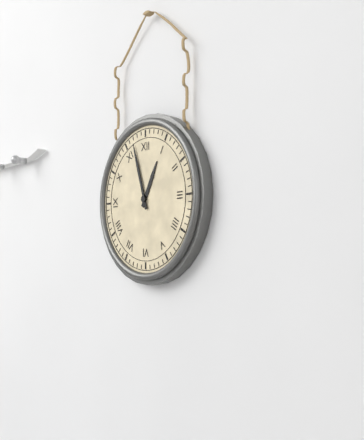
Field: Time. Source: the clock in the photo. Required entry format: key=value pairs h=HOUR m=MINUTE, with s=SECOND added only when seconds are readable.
h=12 m=57
